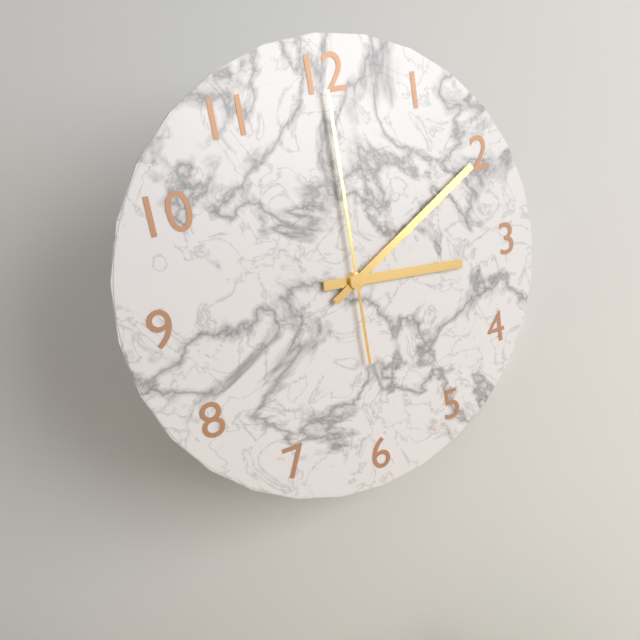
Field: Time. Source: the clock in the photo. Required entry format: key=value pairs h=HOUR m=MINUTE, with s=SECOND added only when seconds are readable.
h=3 m=10 s=0
